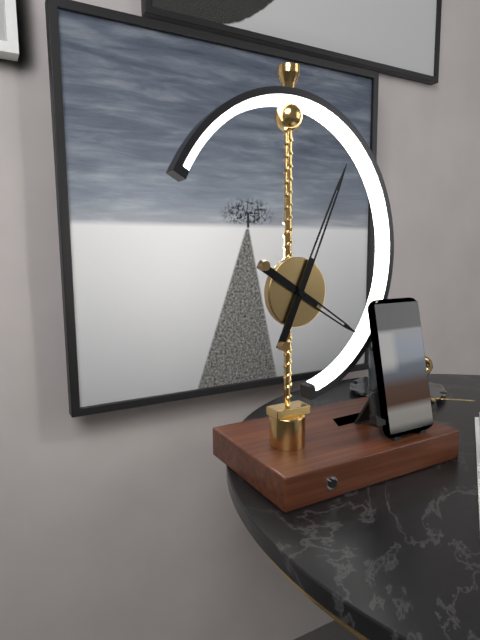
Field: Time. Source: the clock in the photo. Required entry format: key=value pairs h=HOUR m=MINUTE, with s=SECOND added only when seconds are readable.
h=4 m=4
